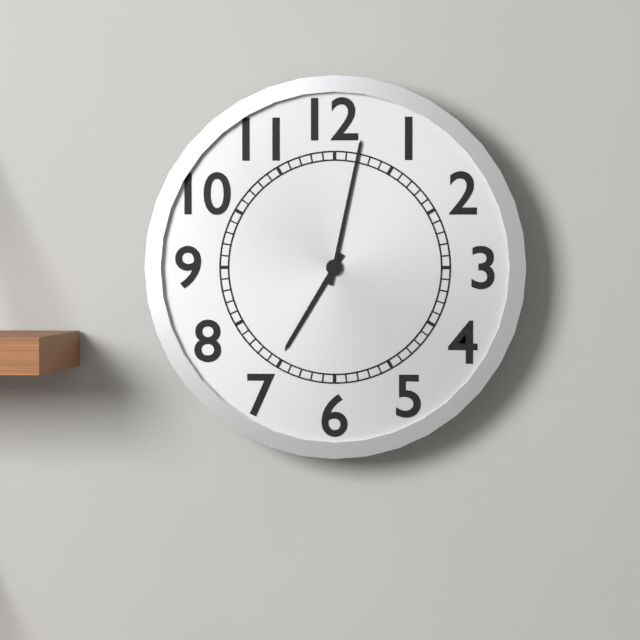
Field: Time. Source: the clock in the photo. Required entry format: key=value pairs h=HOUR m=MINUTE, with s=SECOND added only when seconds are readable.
h=7 m=2
